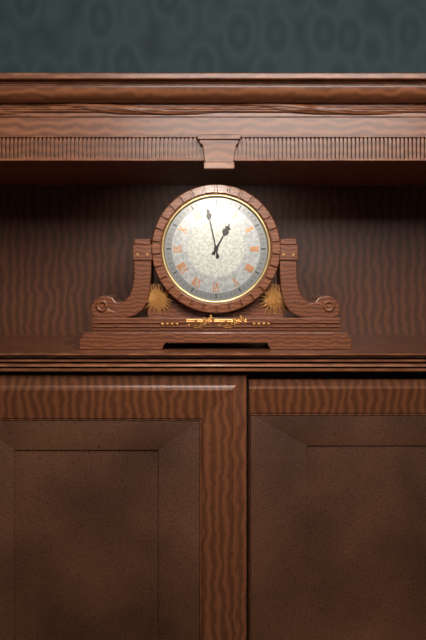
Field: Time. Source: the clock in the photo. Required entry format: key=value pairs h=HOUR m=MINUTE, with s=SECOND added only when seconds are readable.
h=12 m=58
